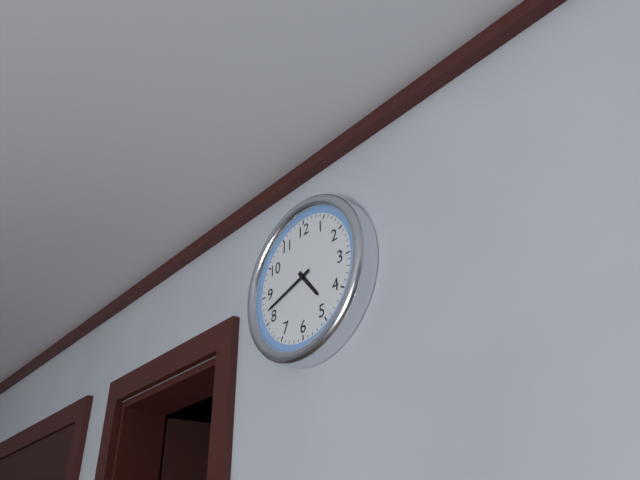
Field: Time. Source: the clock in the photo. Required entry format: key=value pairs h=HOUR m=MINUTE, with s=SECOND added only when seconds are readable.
h=4 m=42
